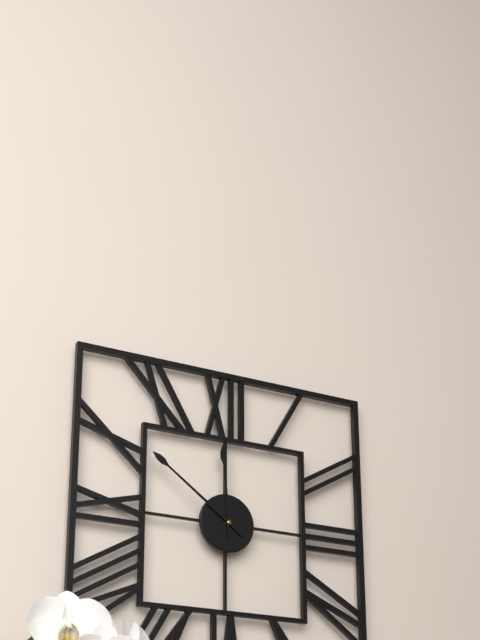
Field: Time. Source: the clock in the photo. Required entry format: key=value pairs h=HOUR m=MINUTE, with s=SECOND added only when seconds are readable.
h=11 m=51
